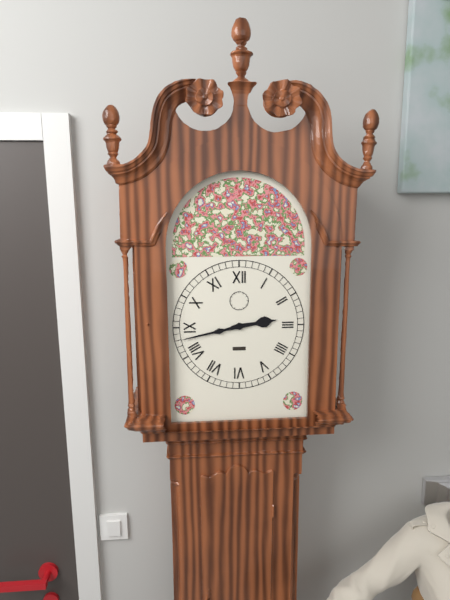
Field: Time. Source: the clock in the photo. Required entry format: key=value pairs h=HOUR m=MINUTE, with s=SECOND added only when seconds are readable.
h=2 m=43
